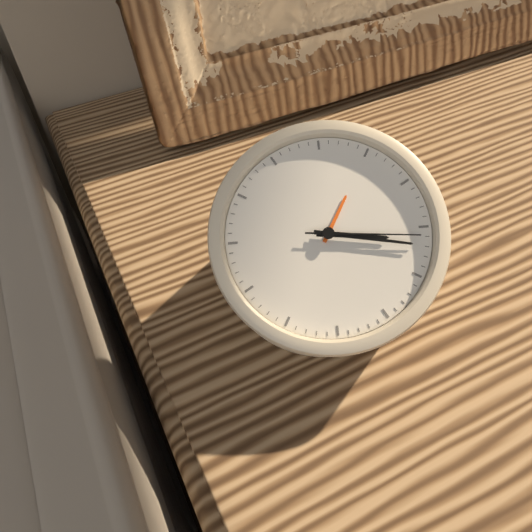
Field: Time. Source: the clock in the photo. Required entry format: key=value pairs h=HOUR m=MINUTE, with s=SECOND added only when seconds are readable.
h=3 m=17 s=16
